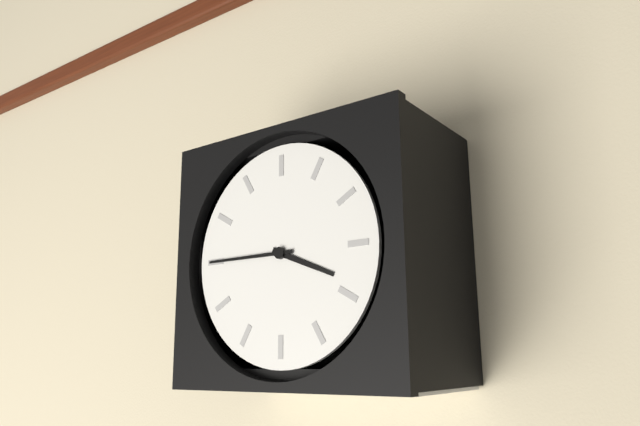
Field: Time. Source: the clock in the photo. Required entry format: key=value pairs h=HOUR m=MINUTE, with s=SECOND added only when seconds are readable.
h=3 m=45
